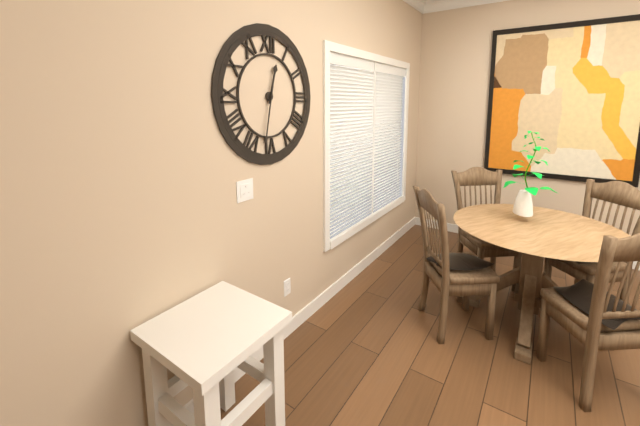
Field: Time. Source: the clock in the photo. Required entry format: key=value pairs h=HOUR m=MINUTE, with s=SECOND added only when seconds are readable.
h=12 m=32
